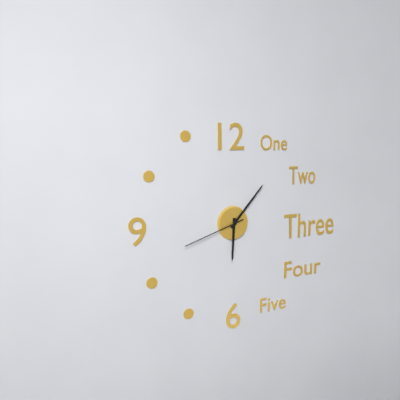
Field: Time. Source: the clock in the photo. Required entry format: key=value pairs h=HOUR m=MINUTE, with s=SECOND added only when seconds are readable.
h=6 m=7 s=42
